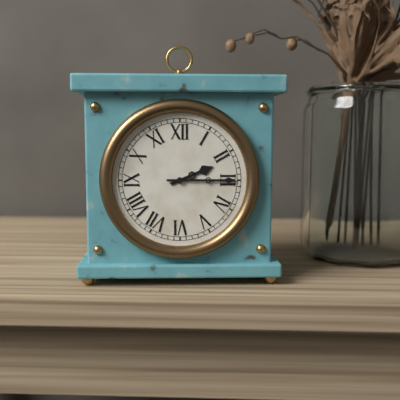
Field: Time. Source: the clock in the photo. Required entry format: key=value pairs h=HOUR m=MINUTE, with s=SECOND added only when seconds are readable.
h=2 m=15
